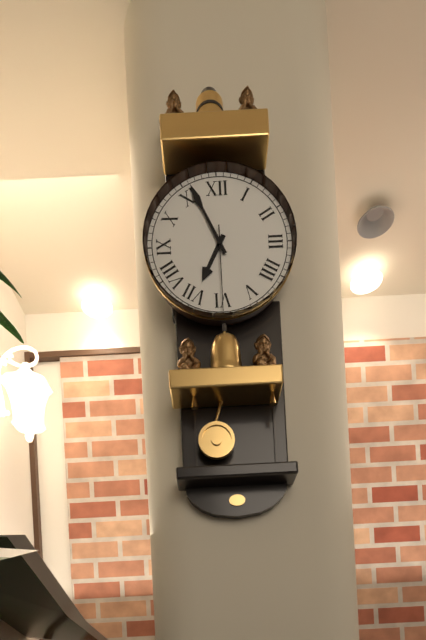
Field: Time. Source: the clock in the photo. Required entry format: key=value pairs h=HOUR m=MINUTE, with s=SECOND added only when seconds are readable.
h=6 m=56 s=30
